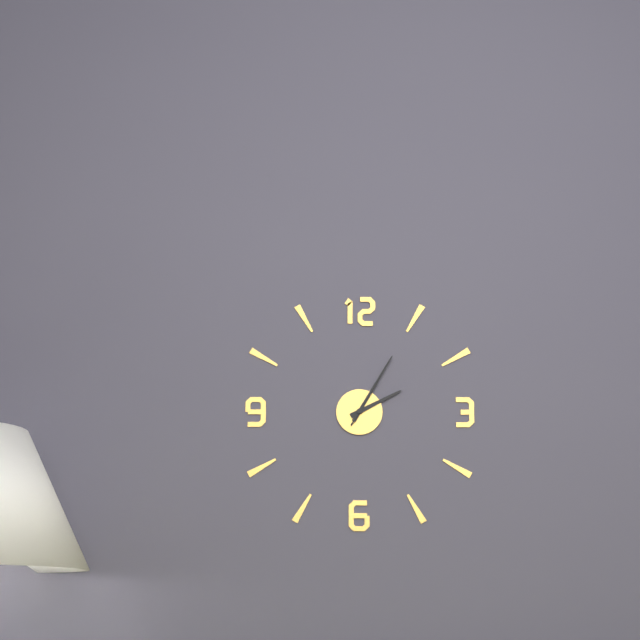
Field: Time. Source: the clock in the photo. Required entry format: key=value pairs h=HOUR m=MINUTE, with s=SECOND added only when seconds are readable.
h=2 m=5 s=5
